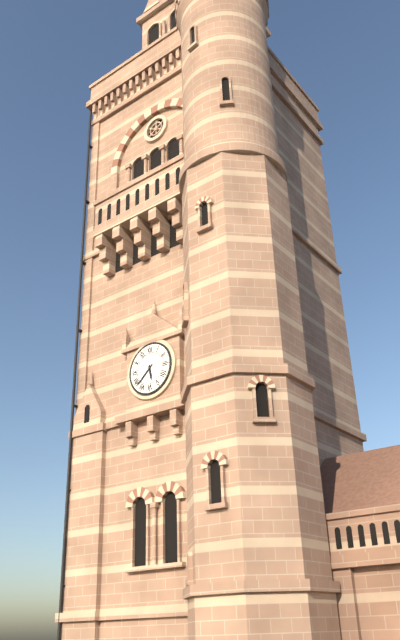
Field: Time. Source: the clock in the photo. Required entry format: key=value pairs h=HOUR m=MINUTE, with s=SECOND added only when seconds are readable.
h=5 m=38
